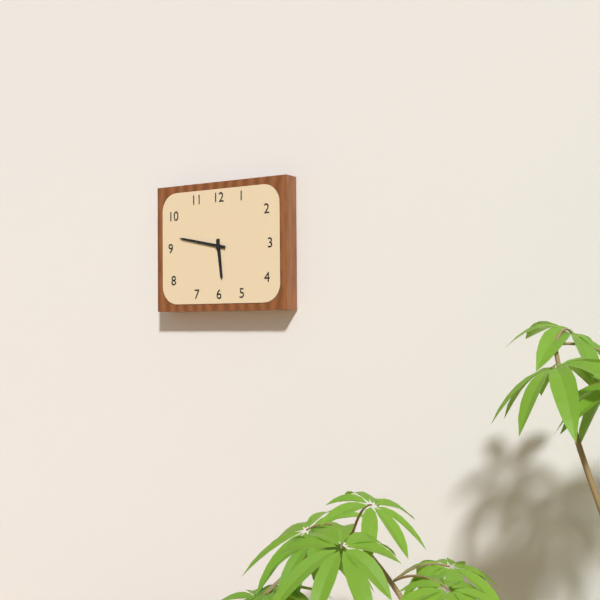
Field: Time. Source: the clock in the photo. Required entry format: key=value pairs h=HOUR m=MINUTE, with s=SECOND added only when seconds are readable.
h=5 m=47
